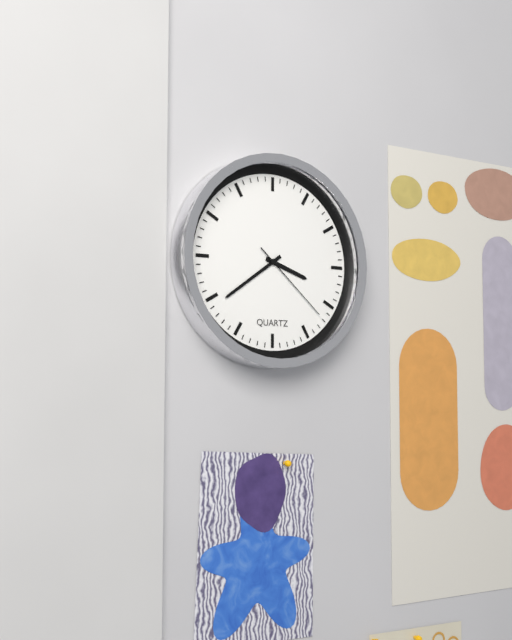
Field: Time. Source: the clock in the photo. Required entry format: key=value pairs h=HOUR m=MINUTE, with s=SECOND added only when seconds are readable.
h=3 m=39 s=22
